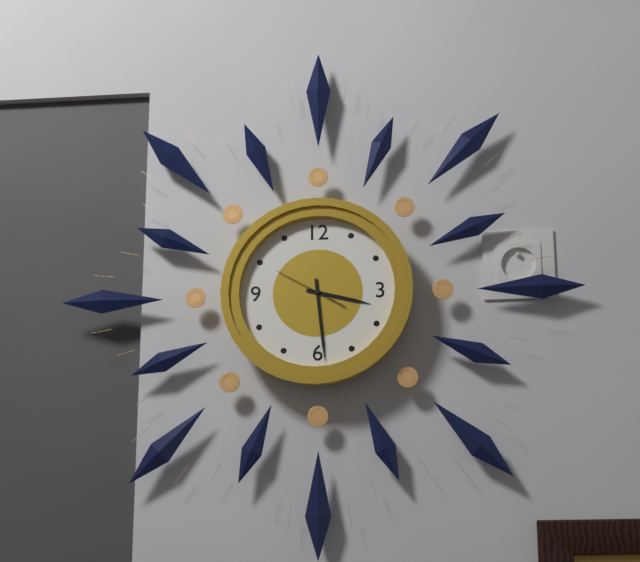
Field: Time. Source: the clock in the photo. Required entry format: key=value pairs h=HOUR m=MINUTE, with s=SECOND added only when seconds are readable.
h=3 m=29 s=50
